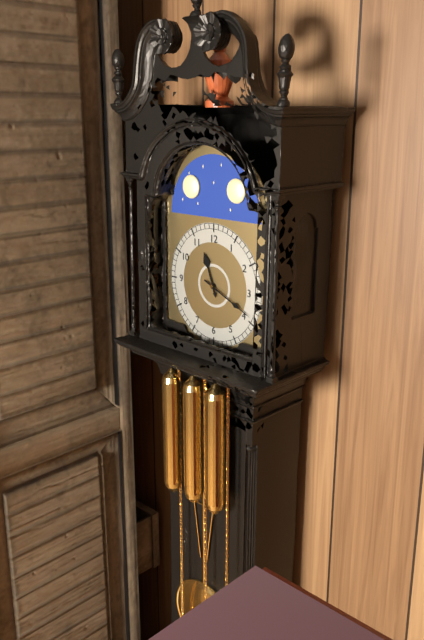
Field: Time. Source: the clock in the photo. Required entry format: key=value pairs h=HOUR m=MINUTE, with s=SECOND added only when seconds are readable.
h=11 m=19
